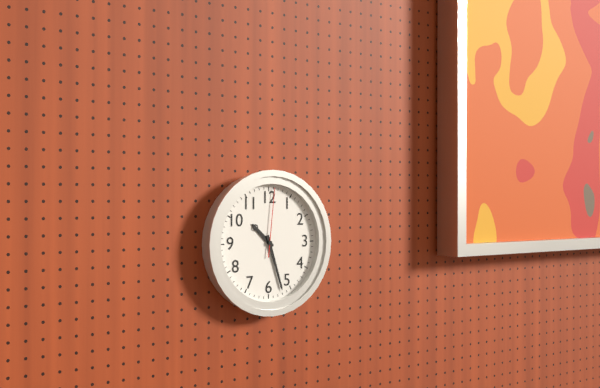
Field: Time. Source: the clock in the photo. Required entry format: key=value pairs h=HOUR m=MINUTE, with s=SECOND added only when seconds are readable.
h=10 m=27 s=1
